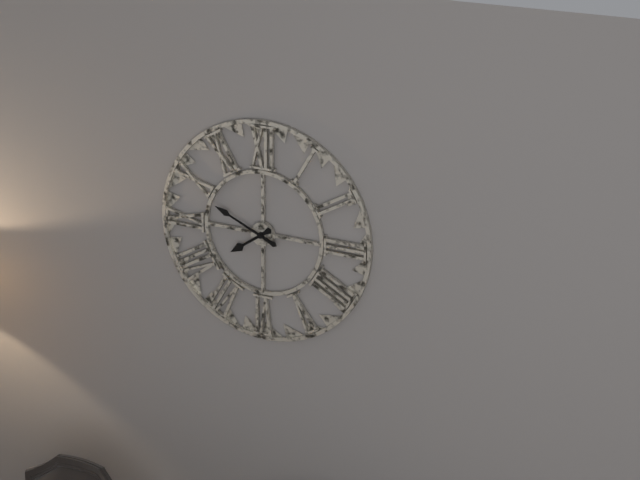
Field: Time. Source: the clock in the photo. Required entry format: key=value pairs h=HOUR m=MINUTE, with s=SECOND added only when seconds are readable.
h=7 m=49
